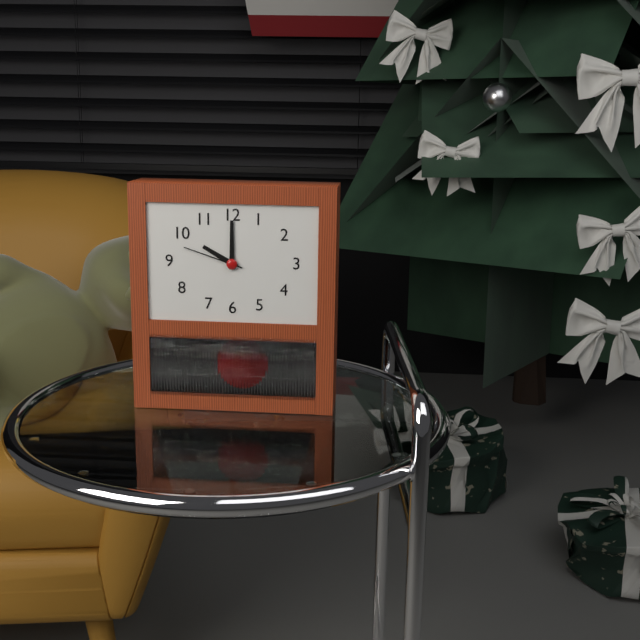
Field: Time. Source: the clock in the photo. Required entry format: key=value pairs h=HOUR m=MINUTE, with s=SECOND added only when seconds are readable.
h=10 m=0 s=48
